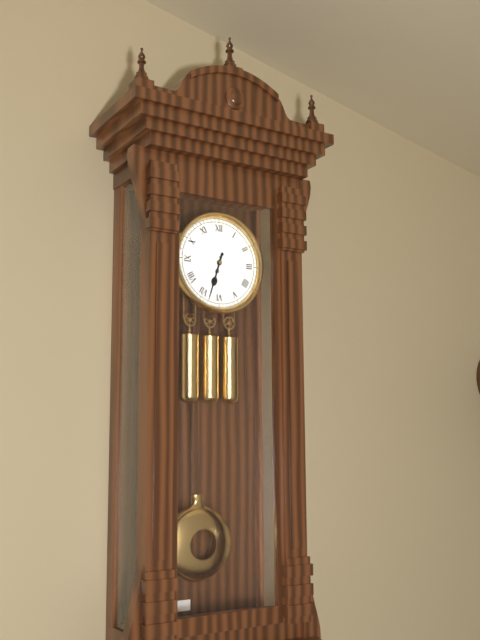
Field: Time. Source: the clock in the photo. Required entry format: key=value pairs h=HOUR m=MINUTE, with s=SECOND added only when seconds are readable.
h=6 m=33
